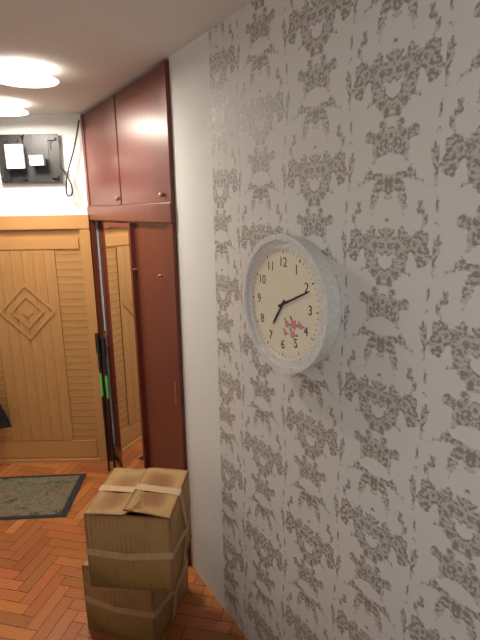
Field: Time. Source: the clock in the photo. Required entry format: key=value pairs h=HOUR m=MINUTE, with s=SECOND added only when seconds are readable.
h=7 m=11
